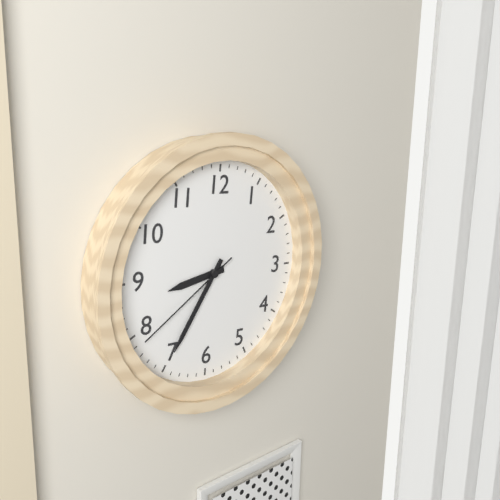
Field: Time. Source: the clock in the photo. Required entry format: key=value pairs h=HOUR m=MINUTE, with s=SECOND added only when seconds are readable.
h=8 m=35 s=39
